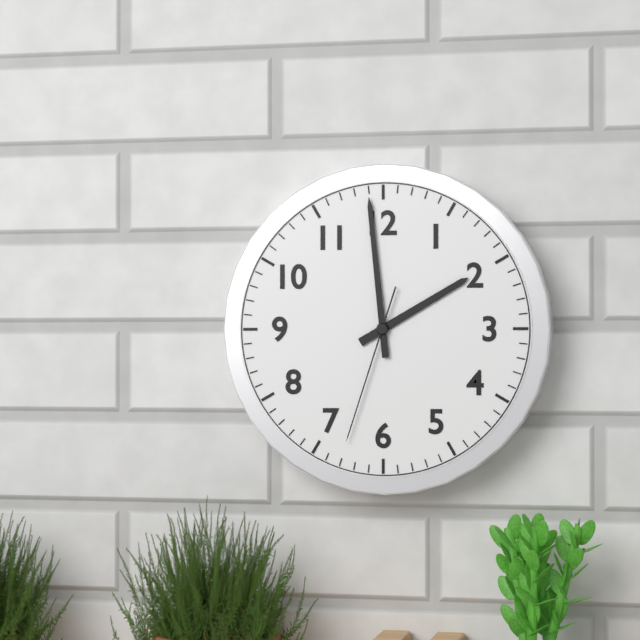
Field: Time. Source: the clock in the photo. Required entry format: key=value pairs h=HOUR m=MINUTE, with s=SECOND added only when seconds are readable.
h=1 m=59 s=33
